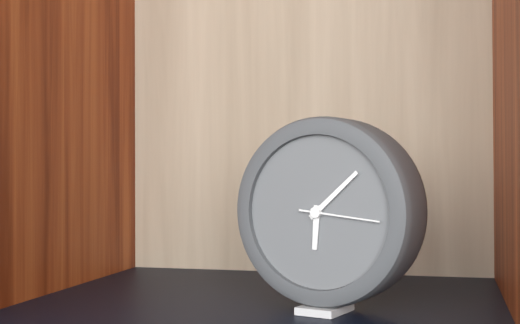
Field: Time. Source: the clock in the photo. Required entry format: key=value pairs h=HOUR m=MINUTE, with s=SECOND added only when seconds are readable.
h=6 m=8 s=16
